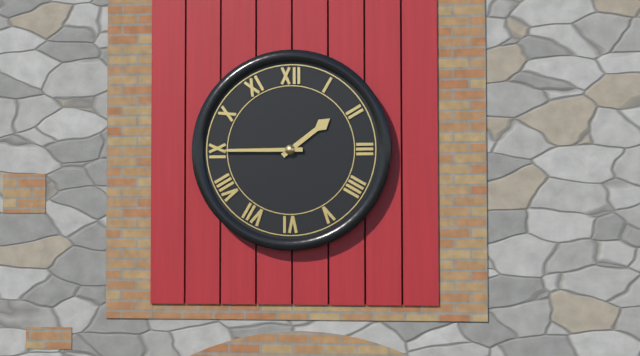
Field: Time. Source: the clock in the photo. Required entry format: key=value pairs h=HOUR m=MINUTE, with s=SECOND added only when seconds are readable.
h=1 m=45
